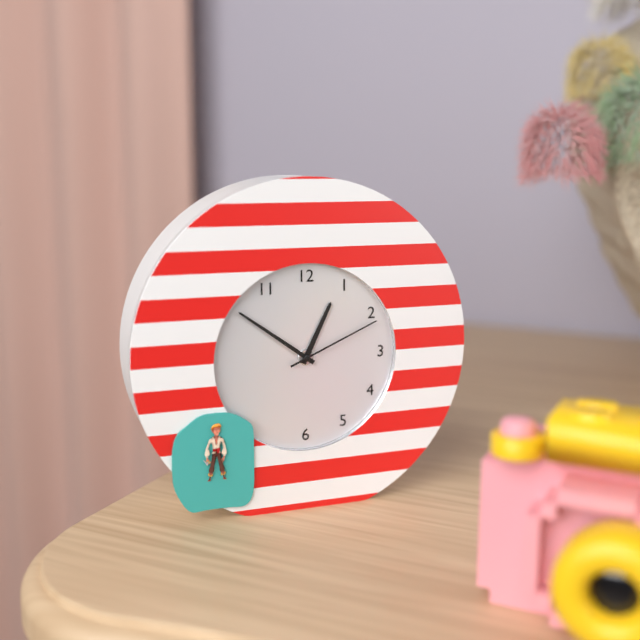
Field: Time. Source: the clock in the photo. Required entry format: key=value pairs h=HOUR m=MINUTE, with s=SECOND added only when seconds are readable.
h=12 m=51 s=11
